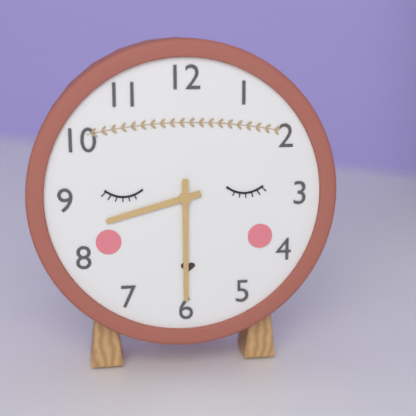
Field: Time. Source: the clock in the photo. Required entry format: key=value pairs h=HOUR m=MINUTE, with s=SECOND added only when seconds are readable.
h=8 m=30
